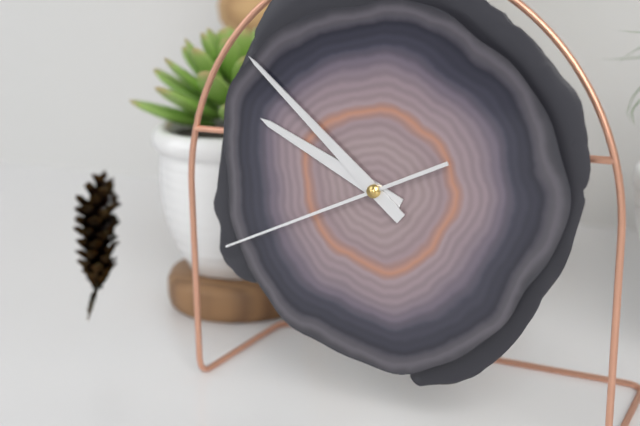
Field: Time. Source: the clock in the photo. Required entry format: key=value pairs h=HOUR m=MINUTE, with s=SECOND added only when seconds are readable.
h=9 m=52 s=41
